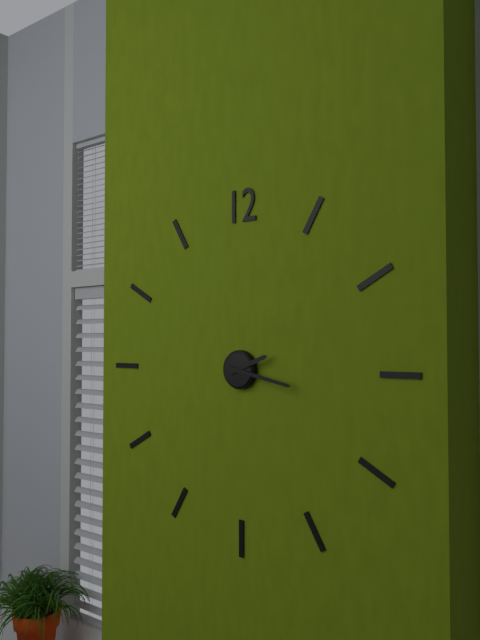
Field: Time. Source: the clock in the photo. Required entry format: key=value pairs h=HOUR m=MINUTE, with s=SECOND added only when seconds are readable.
h=2 m=17
